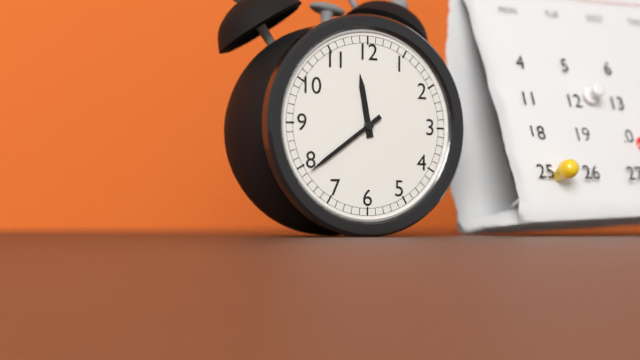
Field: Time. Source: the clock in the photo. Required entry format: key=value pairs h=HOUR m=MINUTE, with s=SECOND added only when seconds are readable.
h=11 m=39
